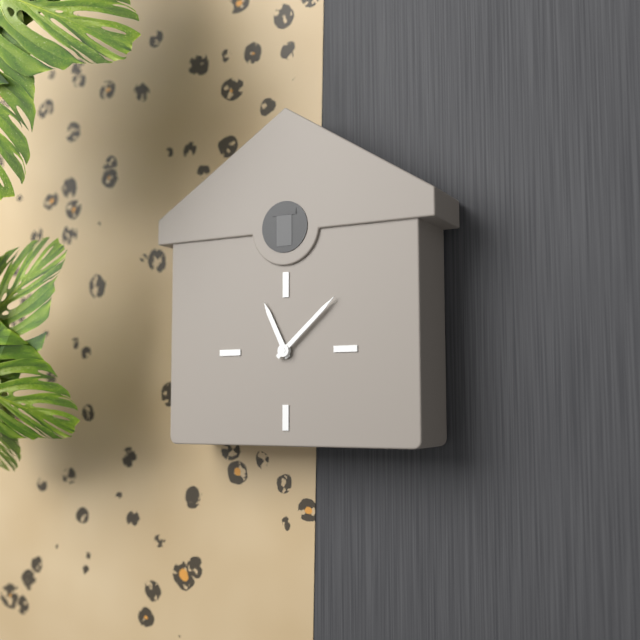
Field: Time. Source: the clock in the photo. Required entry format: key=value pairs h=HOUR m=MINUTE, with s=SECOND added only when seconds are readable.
h=11 m=8
